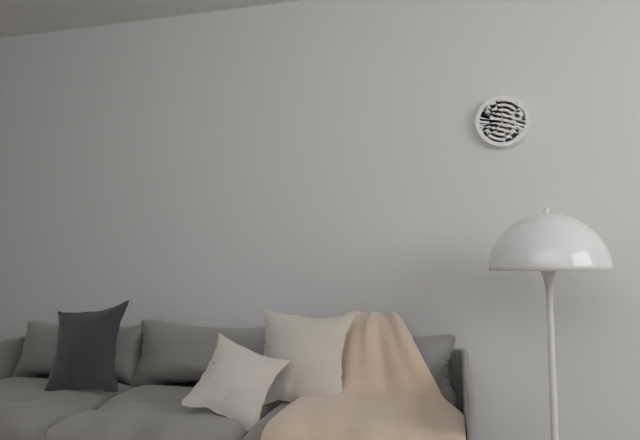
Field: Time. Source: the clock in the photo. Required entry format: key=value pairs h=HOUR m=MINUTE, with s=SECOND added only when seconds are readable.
h=7 m=0
